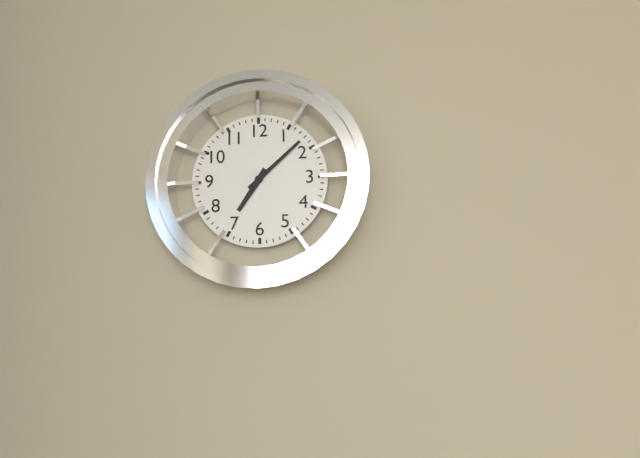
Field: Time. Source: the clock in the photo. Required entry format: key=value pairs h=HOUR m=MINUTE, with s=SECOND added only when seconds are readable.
h=7 m=8
